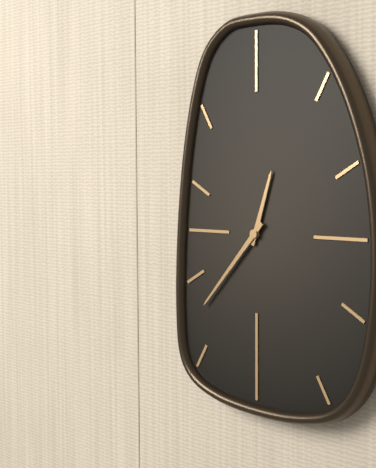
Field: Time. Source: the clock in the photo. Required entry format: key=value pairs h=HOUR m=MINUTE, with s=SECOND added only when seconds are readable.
h=12 m=37
